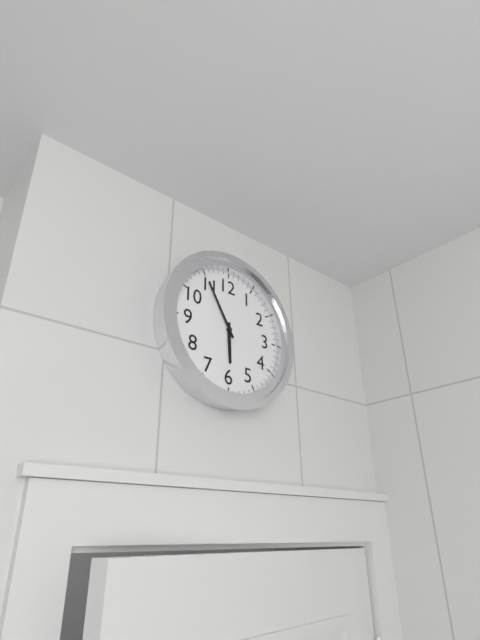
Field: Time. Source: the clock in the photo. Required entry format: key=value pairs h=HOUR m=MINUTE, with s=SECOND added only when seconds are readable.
h=5 m=55
